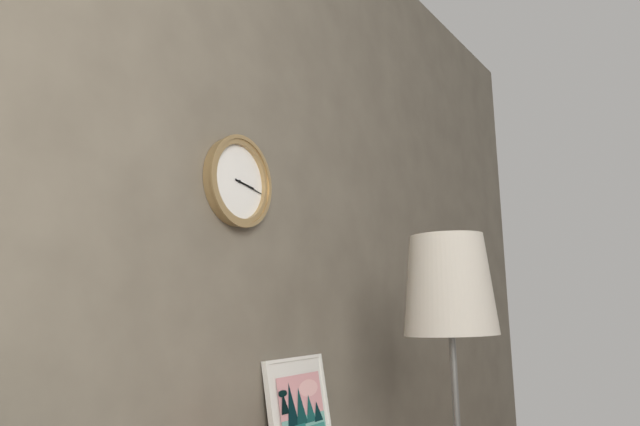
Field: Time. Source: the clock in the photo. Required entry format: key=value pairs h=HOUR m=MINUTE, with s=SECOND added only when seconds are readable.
h=3 m=17
